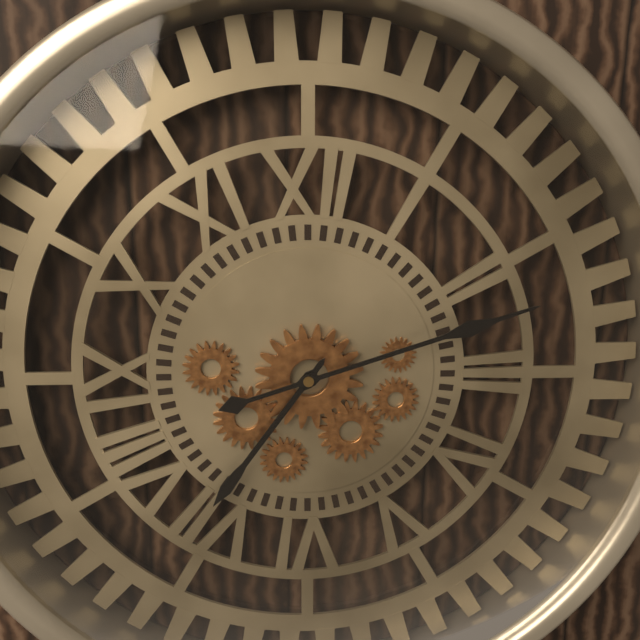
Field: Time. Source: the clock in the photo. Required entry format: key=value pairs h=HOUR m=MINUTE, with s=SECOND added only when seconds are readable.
h=7 m=12
